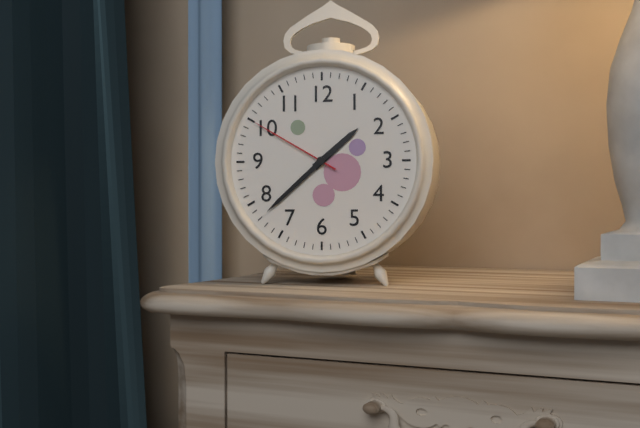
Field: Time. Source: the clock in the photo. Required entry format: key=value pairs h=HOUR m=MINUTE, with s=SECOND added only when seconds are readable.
h=1 m=38 s=50
